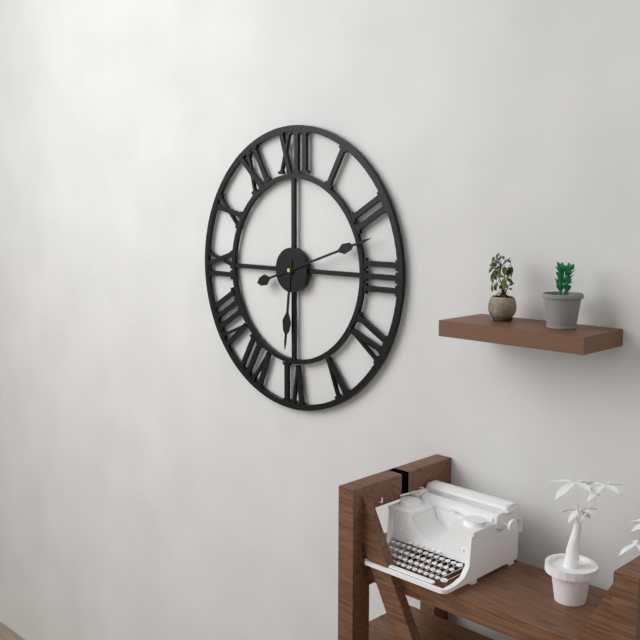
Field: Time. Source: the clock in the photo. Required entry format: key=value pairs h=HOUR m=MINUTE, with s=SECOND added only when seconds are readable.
h=6 m=12
